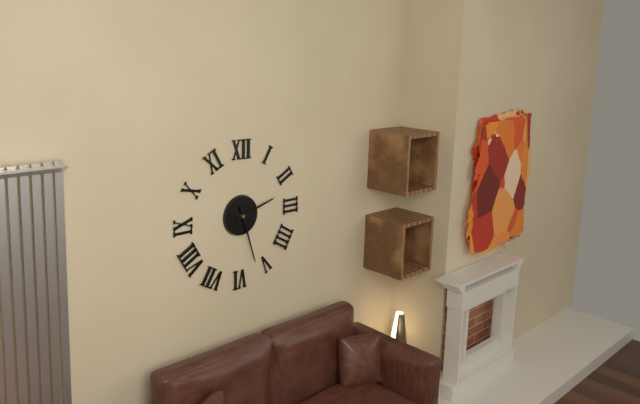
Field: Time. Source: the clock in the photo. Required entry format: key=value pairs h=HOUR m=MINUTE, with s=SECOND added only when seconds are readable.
h=2 m=27
